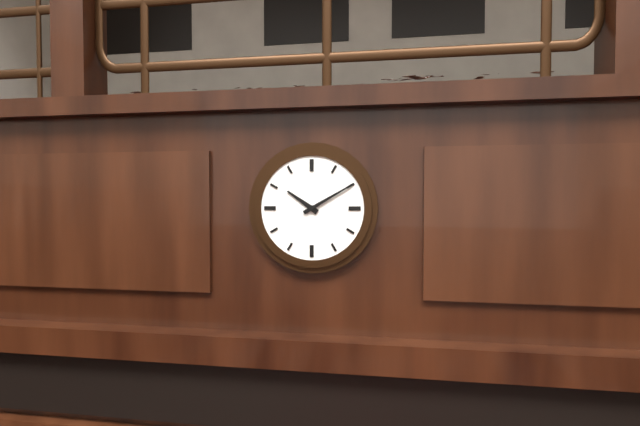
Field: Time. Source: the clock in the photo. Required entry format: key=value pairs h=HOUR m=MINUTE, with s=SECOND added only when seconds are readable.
h=10 m=10
